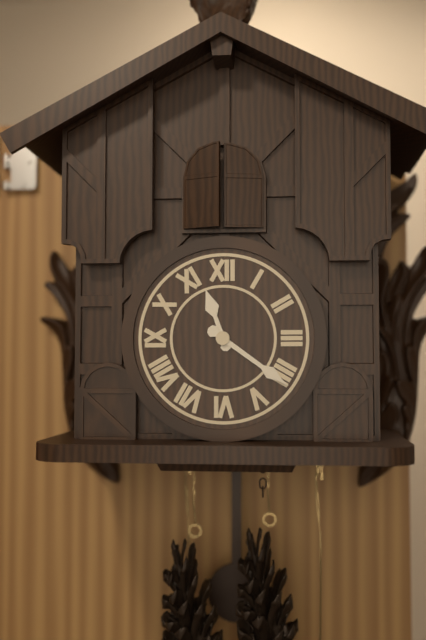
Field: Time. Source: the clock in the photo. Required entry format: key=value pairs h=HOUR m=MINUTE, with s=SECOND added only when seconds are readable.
h=11 m=21
